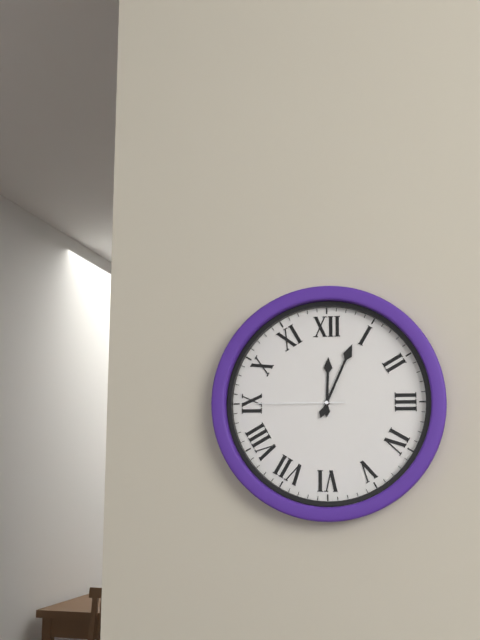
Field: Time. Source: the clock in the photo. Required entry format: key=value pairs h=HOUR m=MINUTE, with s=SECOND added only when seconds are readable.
h=12 m=4 s=45
